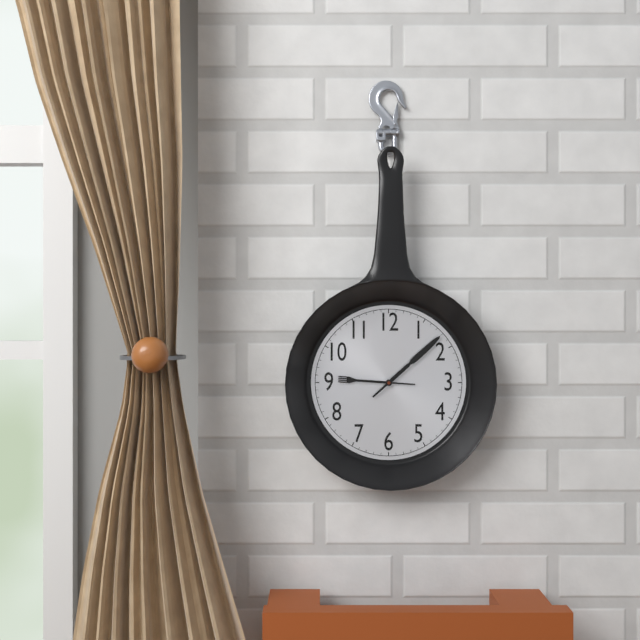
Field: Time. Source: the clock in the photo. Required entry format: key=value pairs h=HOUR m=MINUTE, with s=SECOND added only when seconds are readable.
h=9 m=8
